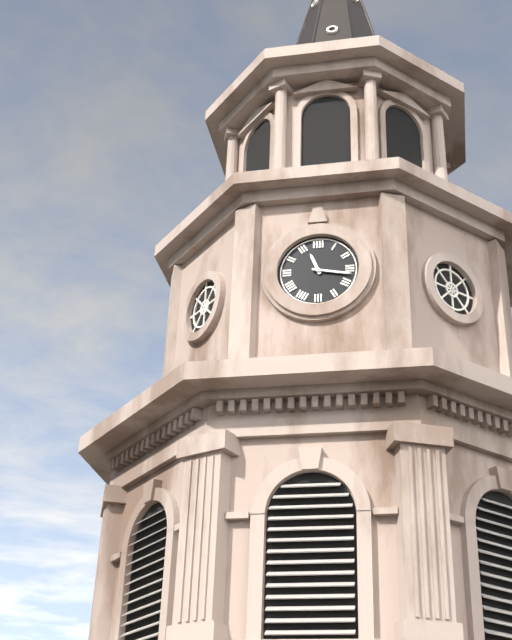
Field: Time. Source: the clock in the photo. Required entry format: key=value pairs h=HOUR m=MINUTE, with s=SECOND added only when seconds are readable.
h=11 m=17
